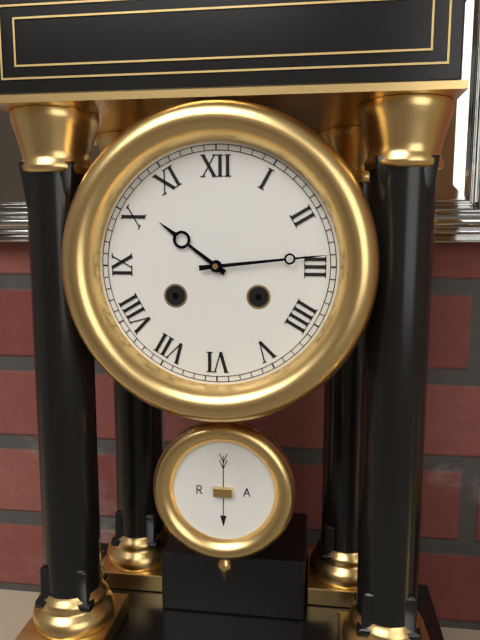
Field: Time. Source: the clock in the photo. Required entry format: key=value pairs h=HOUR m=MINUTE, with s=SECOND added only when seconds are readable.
h=10 m=14
